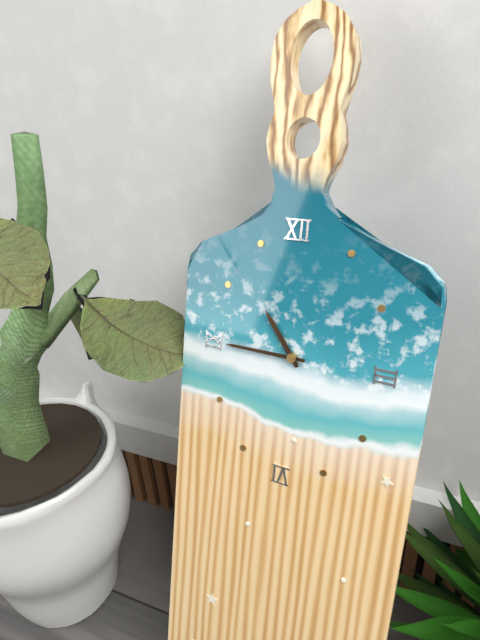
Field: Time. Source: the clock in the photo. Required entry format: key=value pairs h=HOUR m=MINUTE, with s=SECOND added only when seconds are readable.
h=10 m=45
